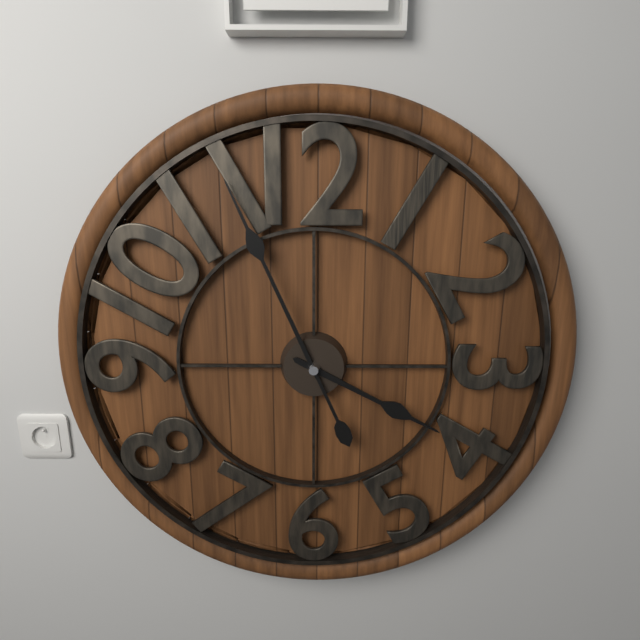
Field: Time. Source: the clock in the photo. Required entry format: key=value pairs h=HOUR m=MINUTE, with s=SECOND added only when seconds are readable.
h=3 m=56
